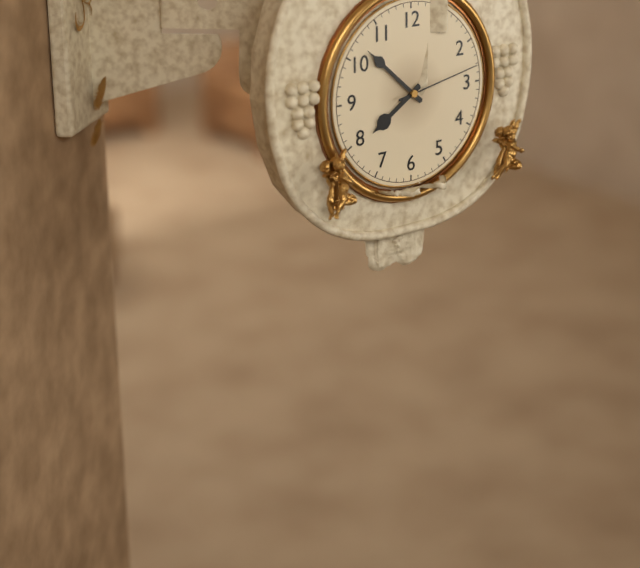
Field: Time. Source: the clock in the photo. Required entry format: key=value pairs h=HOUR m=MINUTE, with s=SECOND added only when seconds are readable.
h=7 m=52 s=13
